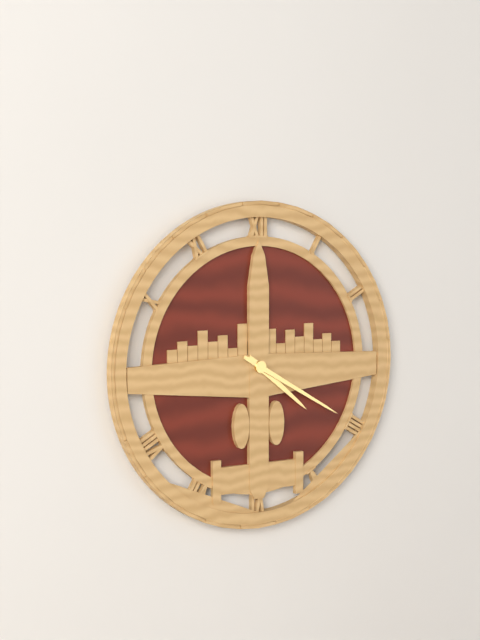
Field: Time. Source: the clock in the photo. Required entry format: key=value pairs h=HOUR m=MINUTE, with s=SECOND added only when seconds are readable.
h=4 m=20
